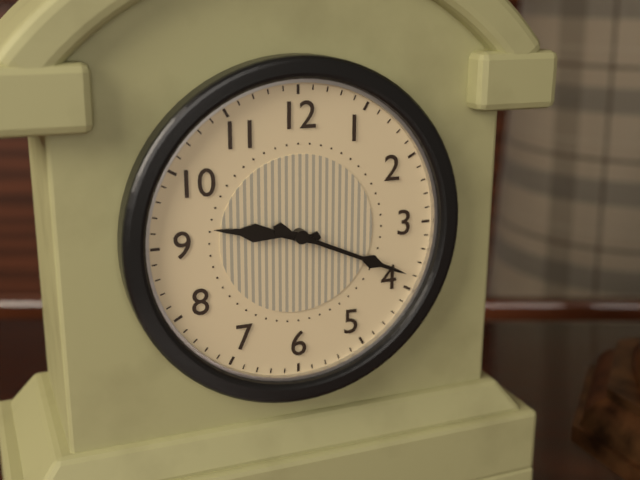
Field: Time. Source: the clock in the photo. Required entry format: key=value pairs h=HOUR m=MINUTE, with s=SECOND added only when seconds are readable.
h=9 m=19
